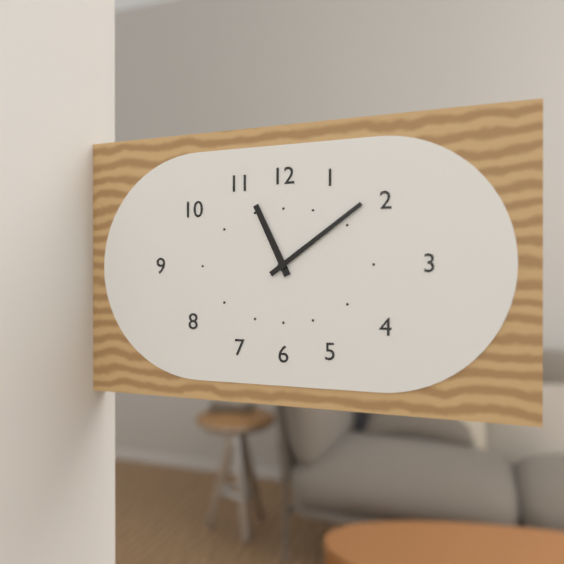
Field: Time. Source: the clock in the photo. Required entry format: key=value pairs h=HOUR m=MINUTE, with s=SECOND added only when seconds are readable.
h=11 m=9
